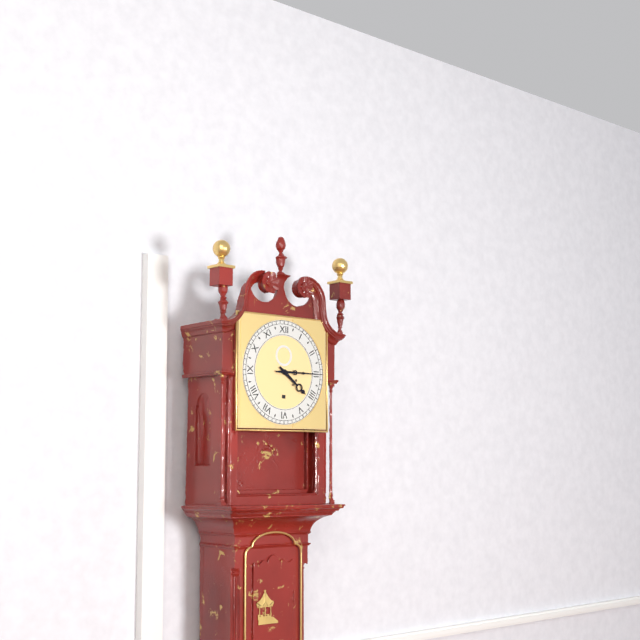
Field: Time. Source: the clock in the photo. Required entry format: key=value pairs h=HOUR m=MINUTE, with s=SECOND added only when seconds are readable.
h=4 m=15
